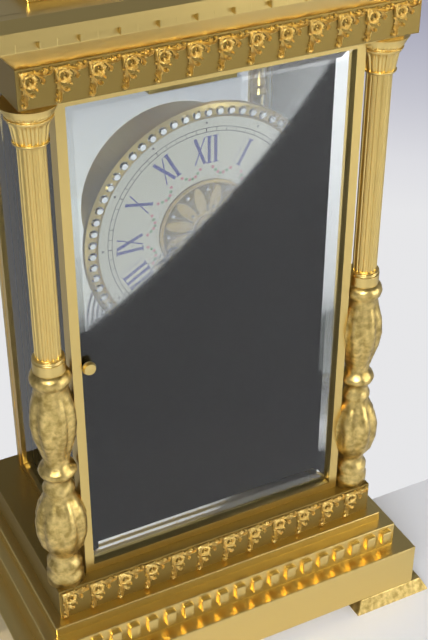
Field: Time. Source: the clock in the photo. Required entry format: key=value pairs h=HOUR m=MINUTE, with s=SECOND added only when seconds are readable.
h=8 m=13
